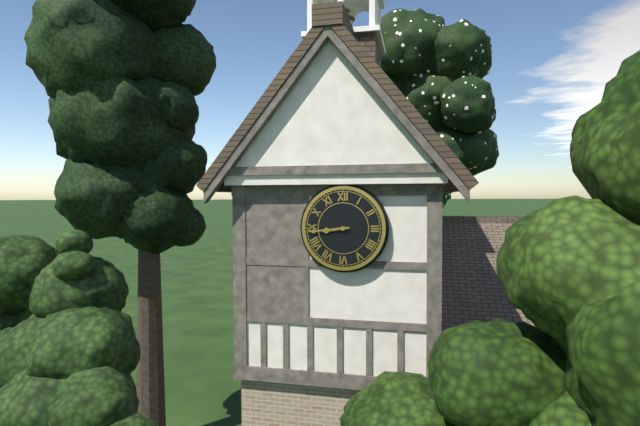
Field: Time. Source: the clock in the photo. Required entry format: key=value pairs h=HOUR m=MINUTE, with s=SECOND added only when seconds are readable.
h=8 m=44
